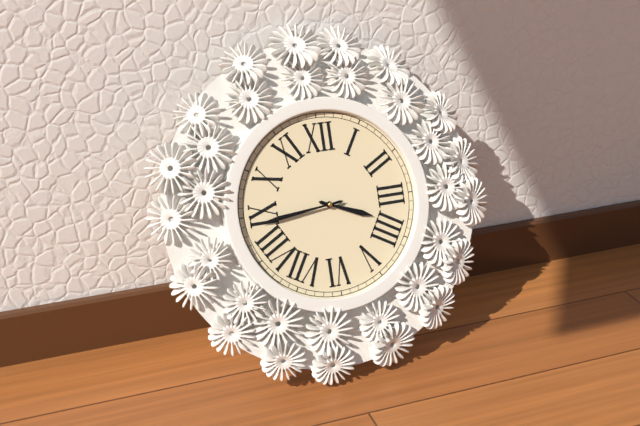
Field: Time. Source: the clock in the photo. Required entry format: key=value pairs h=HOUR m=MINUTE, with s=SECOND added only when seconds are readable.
h=3 m=44
